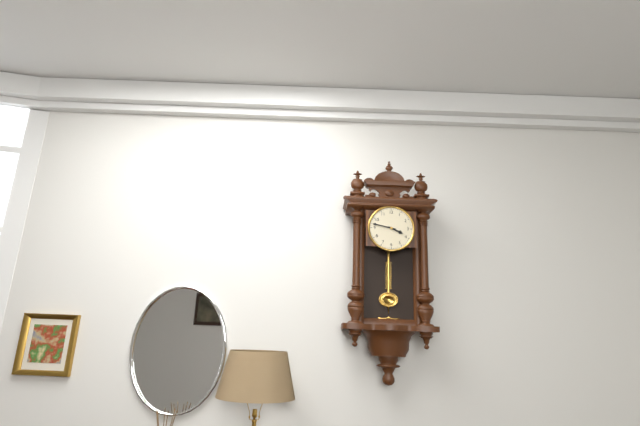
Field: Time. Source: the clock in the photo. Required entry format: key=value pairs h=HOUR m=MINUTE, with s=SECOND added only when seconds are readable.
h=3 m=47
